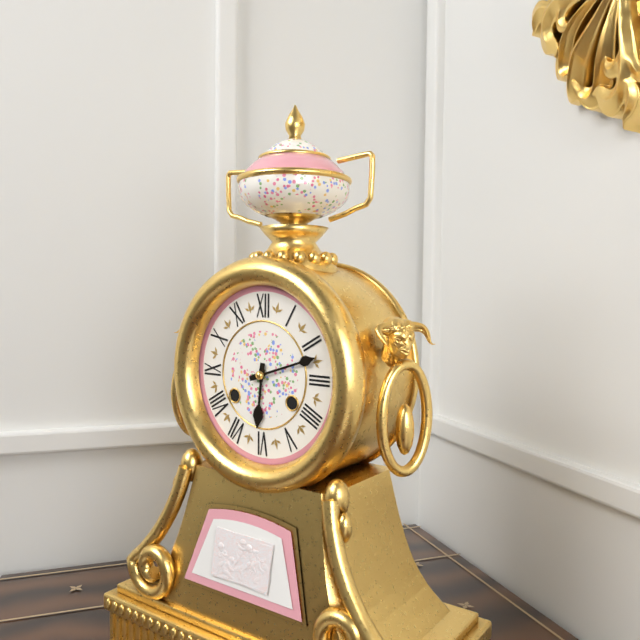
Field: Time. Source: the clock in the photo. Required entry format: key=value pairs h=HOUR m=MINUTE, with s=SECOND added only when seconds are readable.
h=6 m=12
